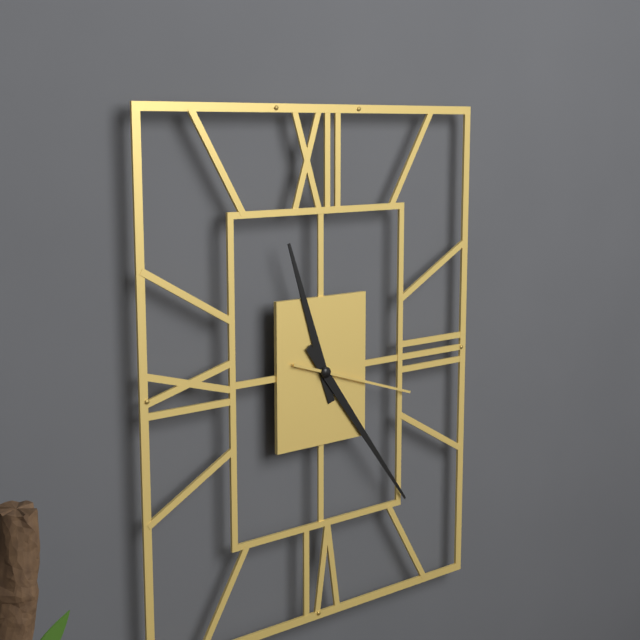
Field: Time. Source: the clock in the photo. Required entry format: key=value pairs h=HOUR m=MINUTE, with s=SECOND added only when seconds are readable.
h=11 m=24 s=18
